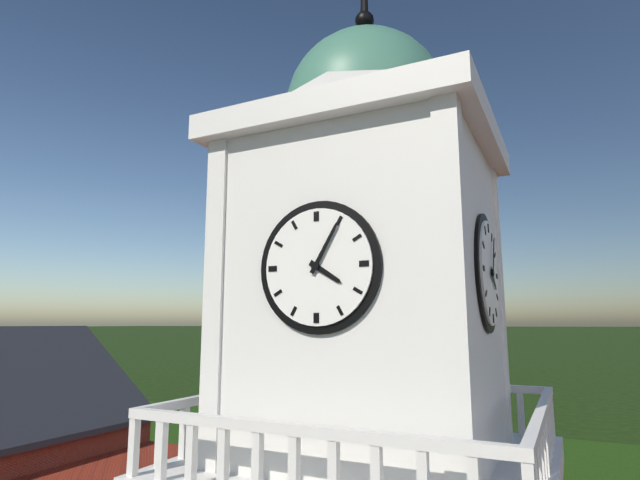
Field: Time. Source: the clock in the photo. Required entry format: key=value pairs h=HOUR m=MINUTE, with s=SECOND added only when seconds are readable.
h=4 m=5
